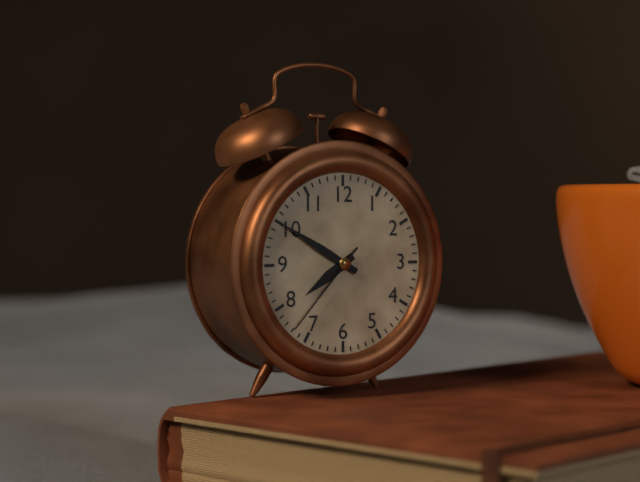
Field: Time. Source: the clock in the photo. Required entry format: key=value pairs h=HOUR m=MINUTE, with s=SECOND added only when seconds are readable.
h=7 m=50 s=37
